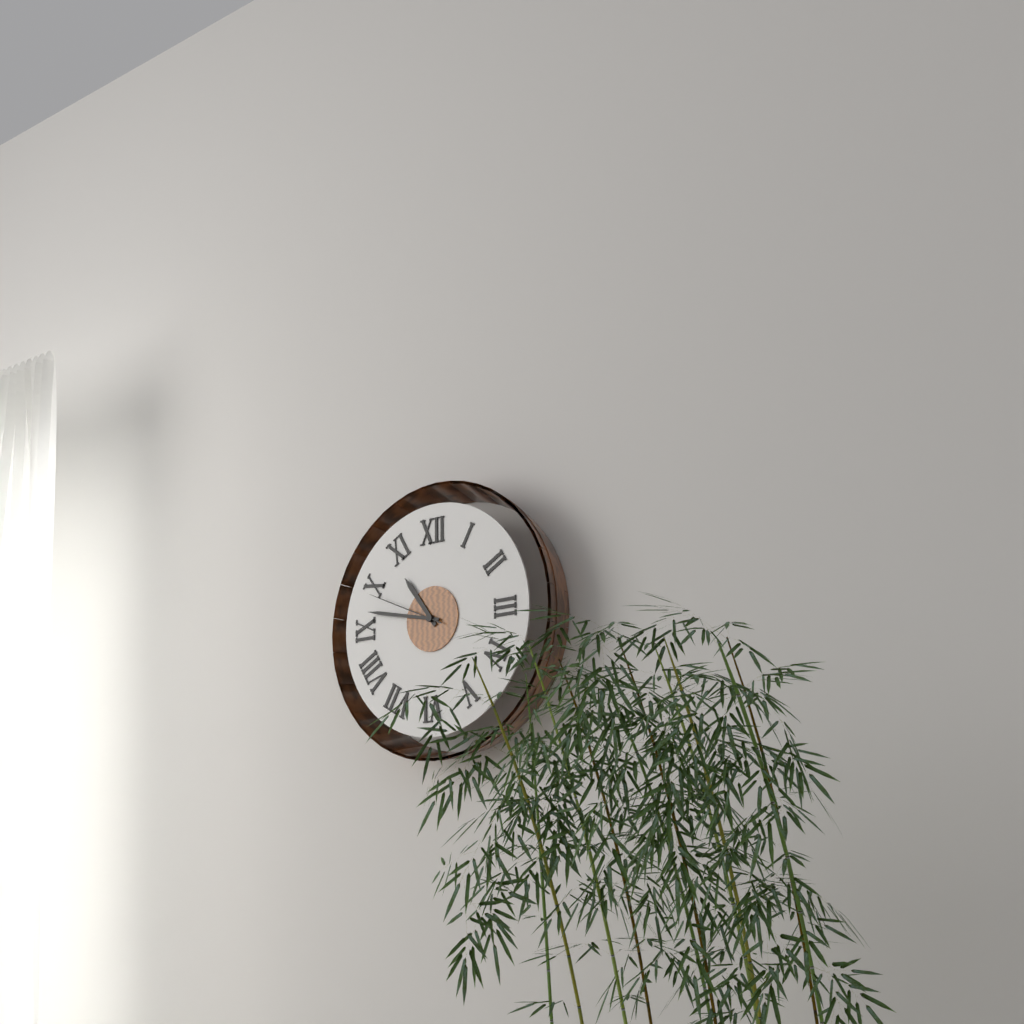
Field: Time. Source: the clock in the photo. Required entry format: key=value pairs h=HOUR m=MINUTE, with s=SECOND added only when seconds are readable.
h=10 m=47 s=49
